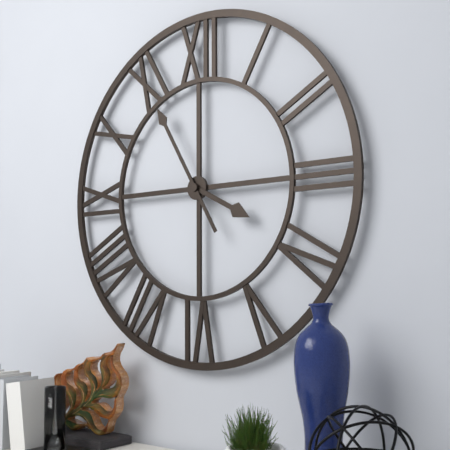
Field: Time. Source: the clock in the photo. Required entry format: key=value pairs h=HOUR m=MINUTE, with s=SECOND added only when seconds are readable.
h=3 m=55
